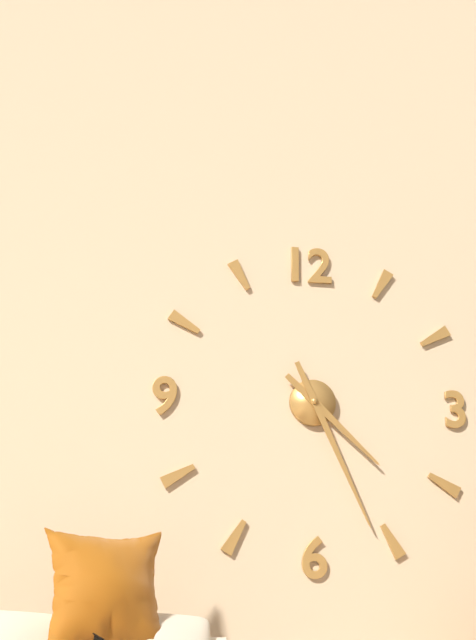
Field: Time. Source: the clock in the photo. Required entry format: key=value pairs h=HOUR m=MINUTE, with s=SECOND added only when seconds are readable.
h=4 m=26
